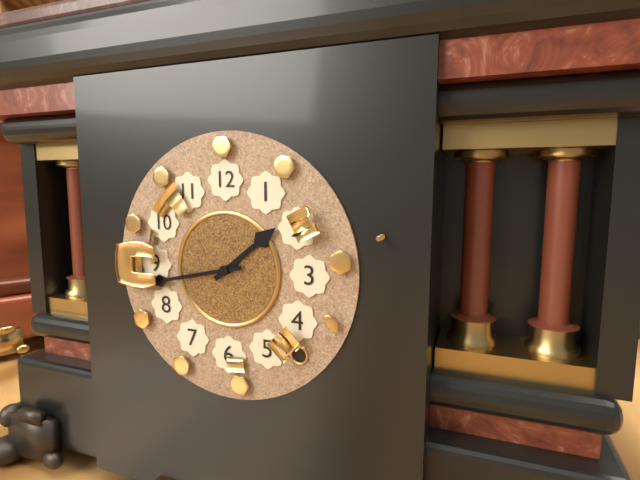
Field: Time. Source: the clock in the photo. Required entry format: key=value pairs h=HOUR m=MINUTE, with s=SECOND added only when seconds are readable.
h=1 m=43
